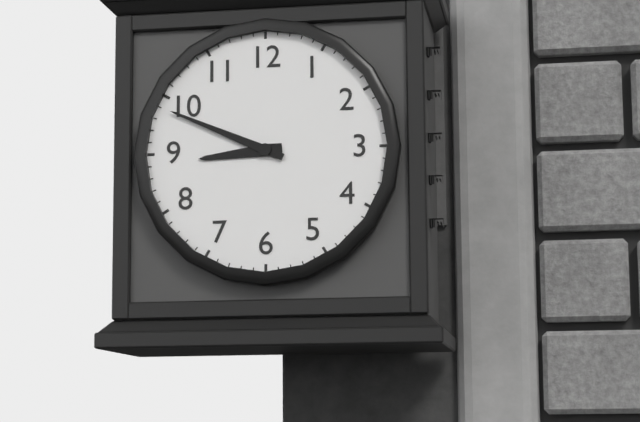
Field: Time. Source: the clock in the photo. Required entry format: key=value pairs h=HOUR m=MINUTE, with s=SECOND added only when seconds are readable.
h=8 m=49
